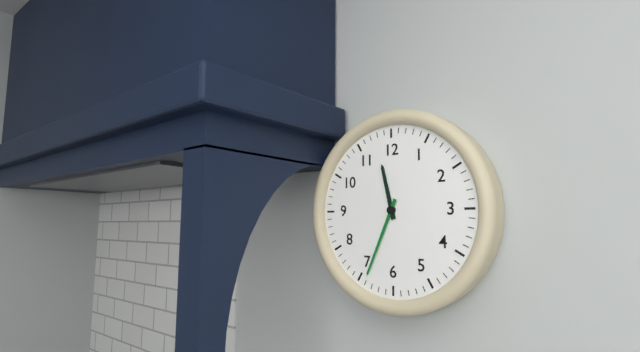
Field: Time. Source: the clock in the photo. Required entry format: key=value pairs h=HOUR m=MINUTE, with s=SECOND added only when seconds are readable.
h=11 m=34
